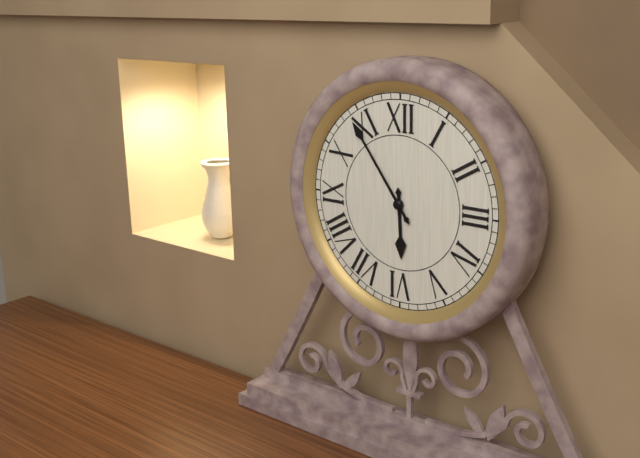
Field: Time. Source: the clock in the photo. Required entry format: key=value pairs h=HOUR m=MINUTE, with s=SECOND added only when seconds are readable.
h=5 m=54
